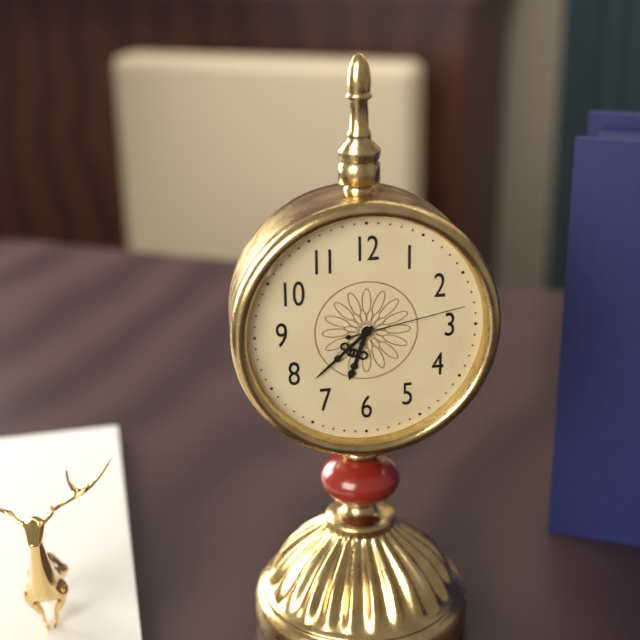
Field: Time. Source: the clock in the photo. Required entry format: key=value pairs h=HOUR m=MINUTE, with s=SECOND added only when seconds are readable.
h=6 m=38 s=13
